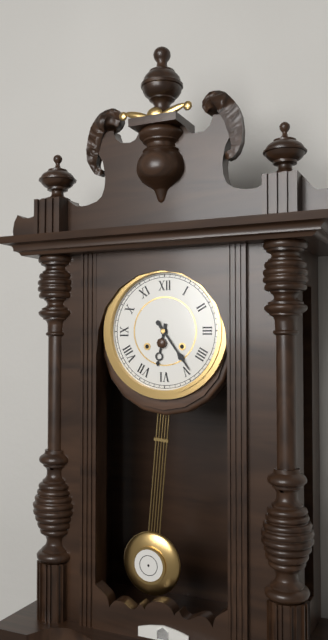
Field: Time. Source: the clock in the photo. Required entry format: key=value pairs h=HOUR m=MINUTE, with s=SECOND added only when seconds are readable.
h=6 m=24
